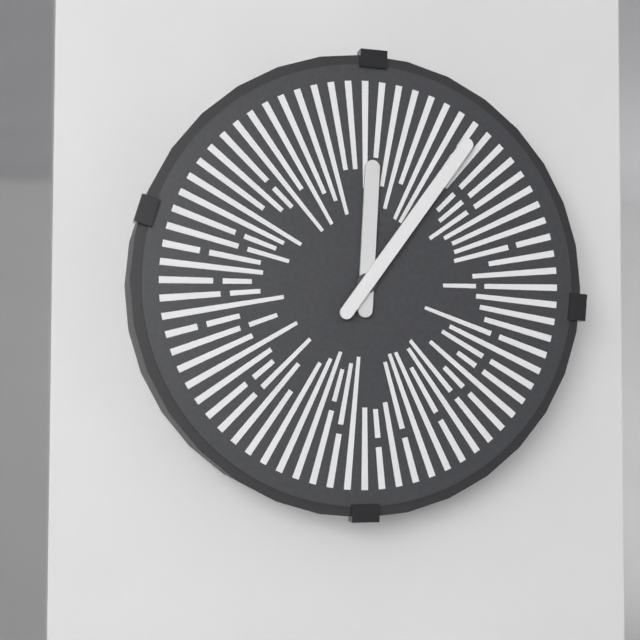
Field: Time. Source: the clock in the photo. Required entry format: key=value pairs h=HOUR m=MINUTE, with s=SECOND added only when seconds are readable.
h=12 m=6
